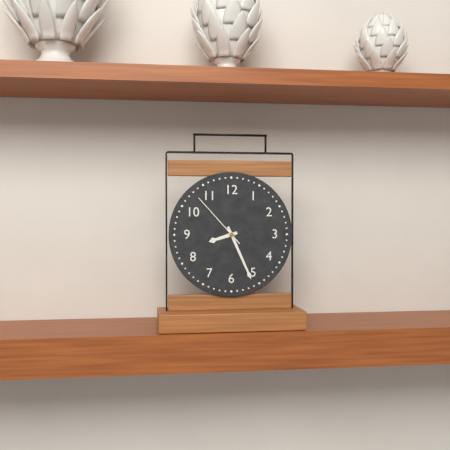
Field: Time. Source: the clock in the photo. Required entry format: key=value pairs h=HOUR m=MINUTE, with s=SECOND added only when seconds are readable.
h=8 m=26 s=53
